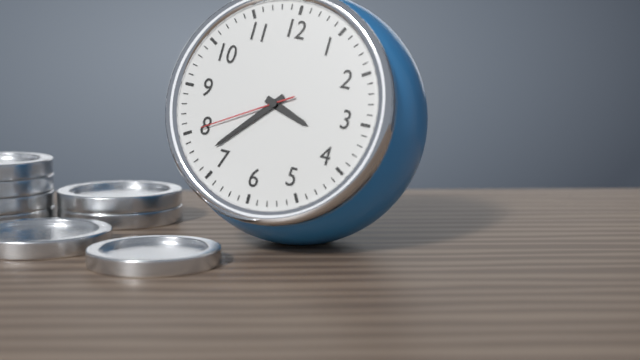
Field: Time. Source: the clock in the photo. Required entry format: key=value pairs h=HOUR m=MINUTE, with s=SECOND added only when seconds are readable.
h=3 m=37 s=40
